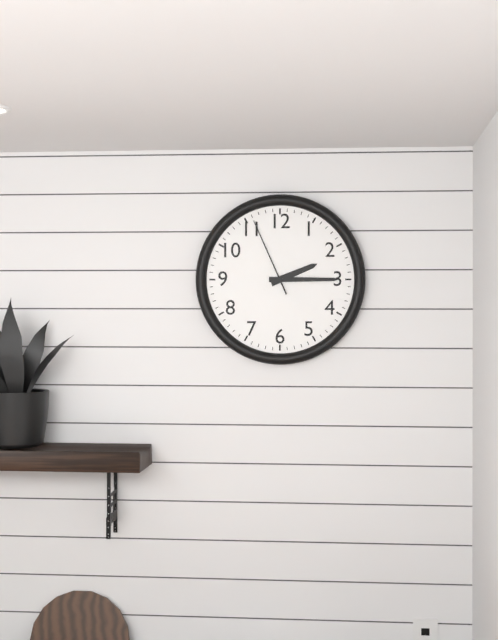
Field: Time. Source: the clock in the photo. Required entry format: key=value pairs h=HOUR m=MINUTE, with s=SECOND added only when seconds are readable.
h=2 m=15 s=56
